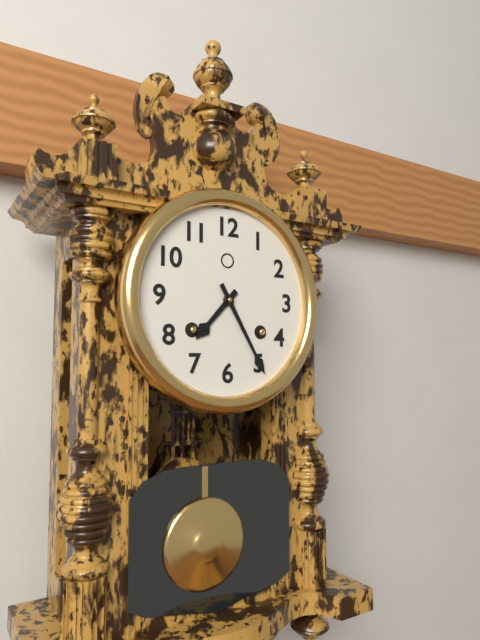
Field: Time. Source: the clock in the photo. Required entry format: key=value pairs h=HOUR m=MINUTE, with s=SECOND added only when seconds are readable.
h=7 m=25
